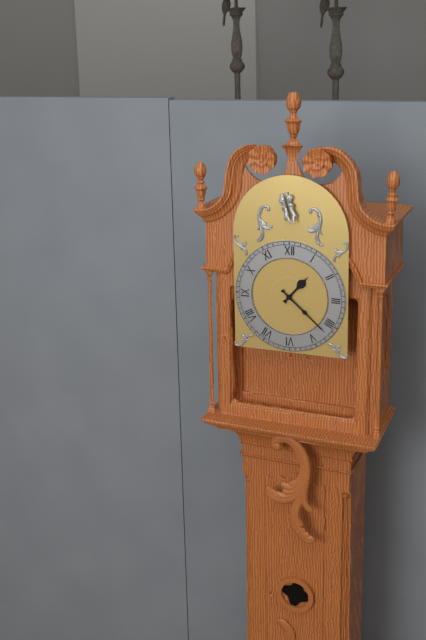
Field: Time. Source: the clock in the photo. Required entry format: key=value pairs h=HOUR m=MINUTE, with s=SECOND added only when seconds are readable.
h=1 m=22
